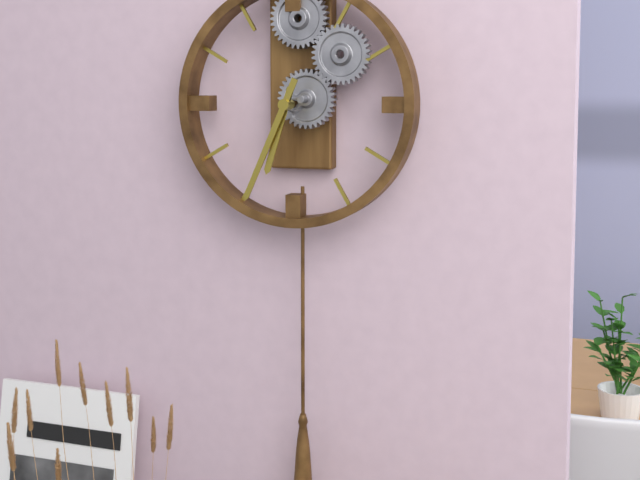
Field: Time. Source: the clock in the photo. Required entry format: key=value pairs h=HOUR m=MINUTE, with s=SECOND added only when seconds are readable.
h=6 m=34
